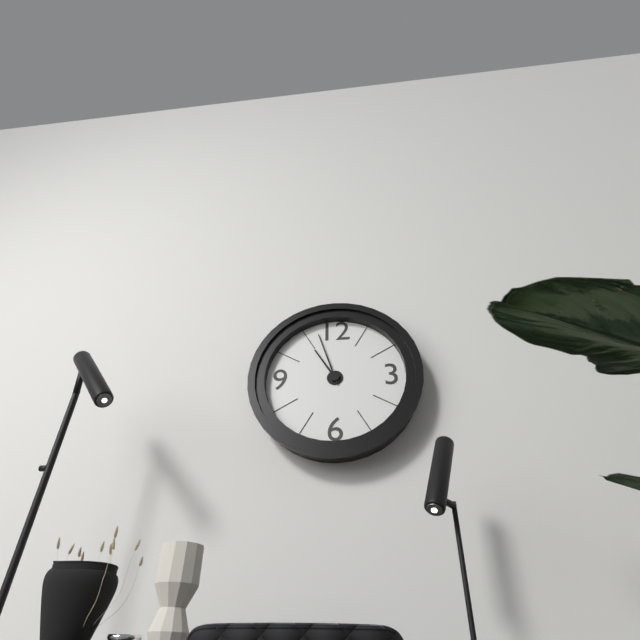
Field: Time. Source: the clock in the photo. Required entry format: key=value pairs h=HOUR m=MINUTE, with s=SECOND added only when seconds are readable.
h=10 m=57
